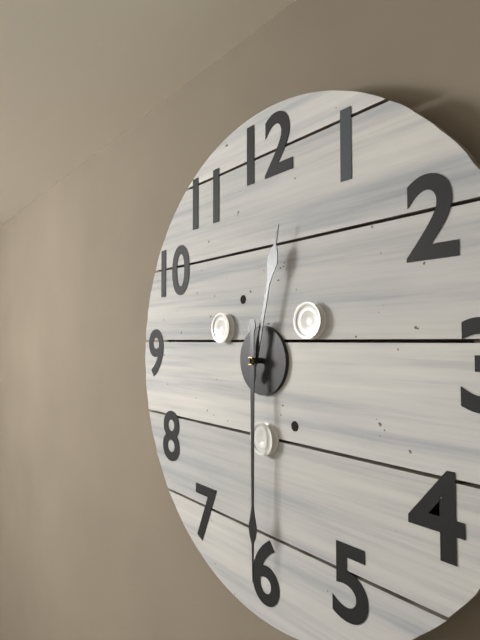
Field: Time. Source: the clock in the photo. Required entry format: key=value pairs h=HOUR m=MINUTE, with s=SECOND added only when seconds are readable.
h=12 m=30
